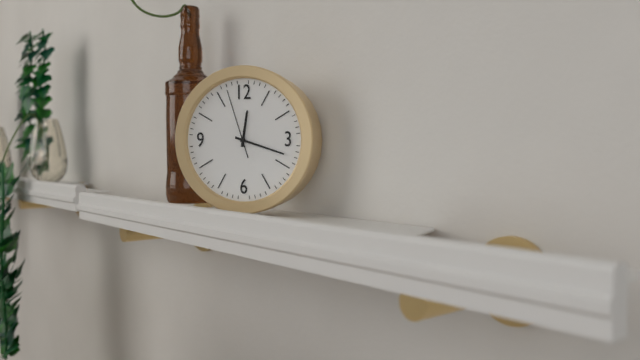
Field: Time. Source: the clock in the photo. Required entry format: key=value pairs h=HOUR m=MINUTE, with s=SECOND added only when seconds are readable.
h=12 m=18 s=57
